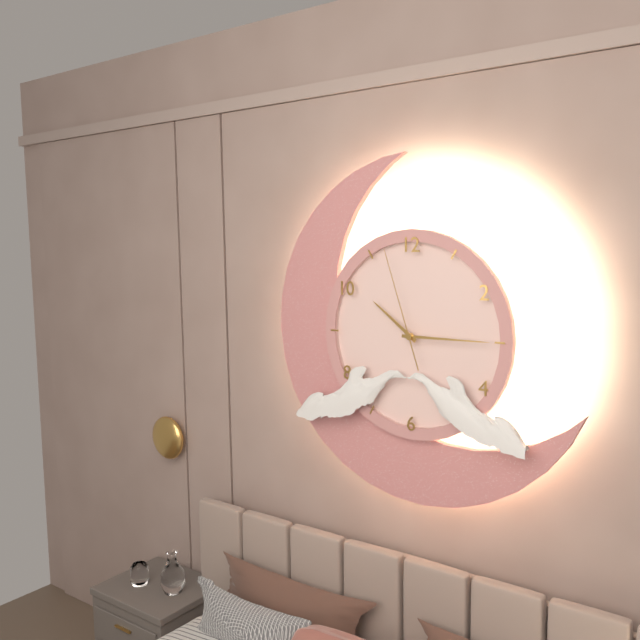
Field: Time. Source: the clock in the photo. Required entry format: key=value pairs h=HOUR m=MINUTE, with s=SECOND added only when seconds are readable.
h=10 m=15 s=57
